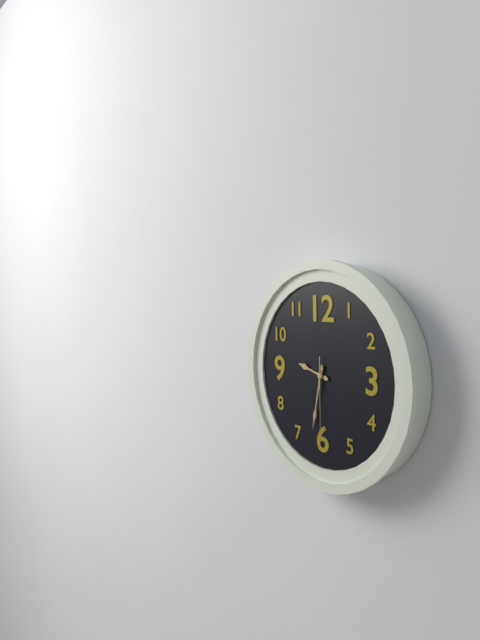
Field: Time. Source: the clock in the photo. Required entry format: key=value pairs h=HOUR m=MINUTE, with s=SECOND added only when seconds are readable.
h=9 m=32 s=30
